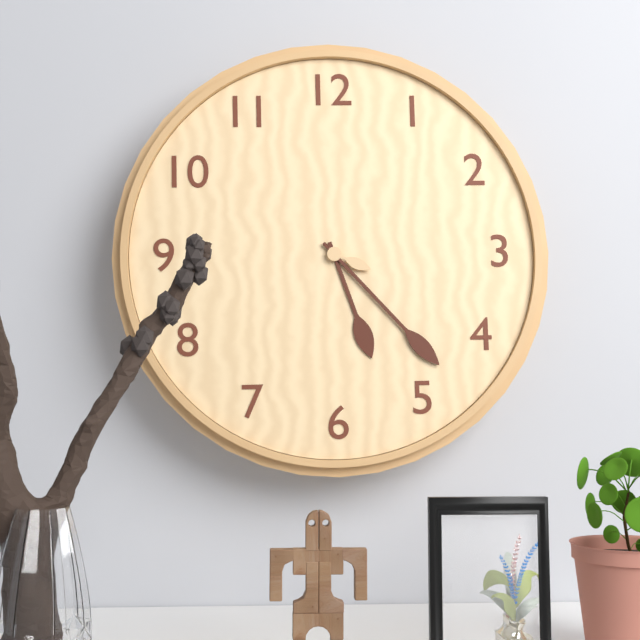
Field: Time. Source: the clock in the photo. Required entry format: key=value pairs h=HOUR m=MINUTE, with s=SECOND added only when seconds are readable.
h=5 m=23 s=19
